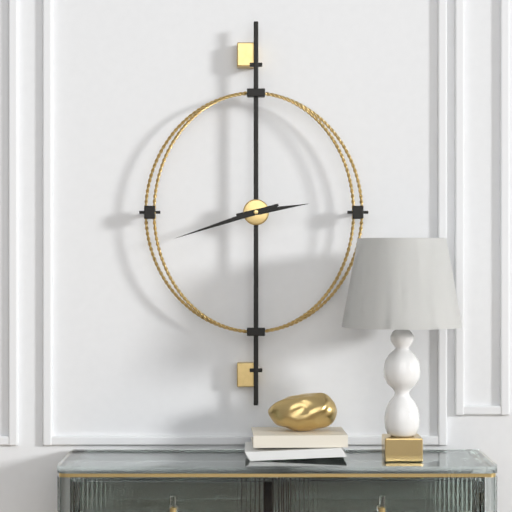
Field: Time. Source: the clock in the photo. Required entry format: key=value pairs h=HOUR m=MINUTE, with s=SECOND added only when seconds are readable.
h=2 m=42
